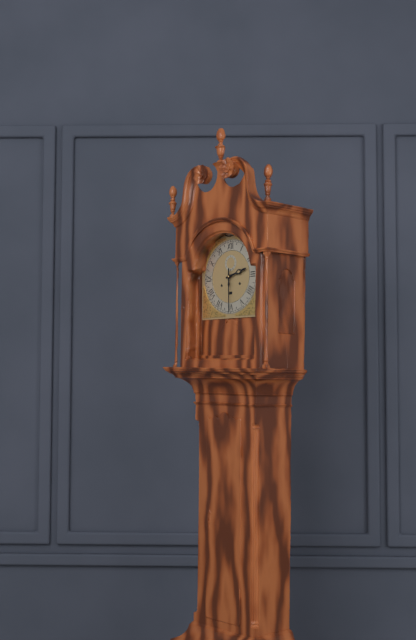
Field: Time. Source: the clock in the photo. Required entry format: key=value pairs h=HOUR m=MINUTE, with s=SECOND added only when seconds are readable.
h=2 m=30
